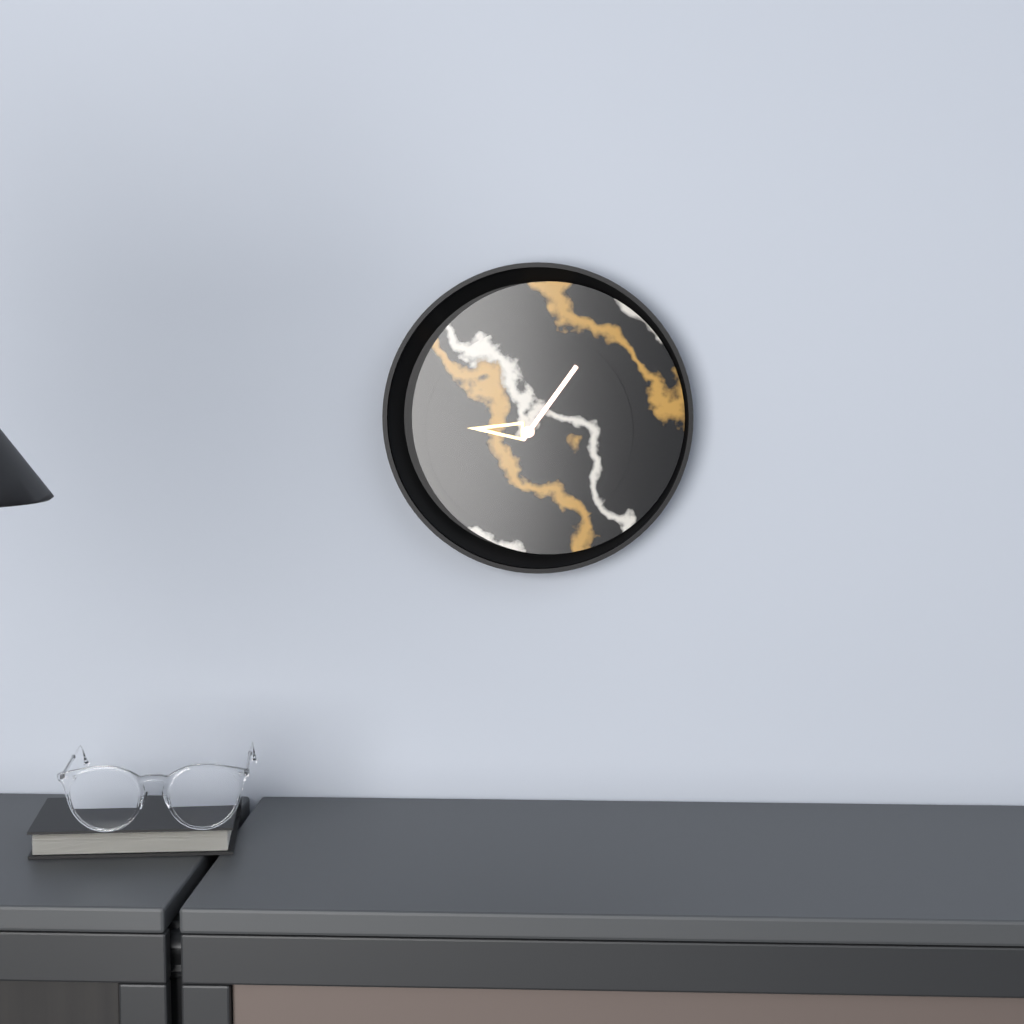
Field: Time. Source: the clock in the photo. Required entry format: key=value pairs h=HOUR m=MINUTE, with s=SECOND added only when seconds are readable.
h=9 m=6
